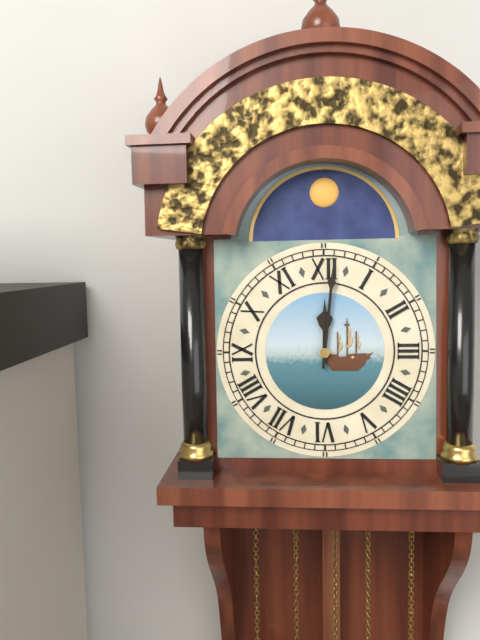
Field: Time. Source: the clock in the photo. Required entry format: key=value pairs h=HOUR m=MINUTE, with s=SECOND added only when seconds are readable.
h=12 m=1
